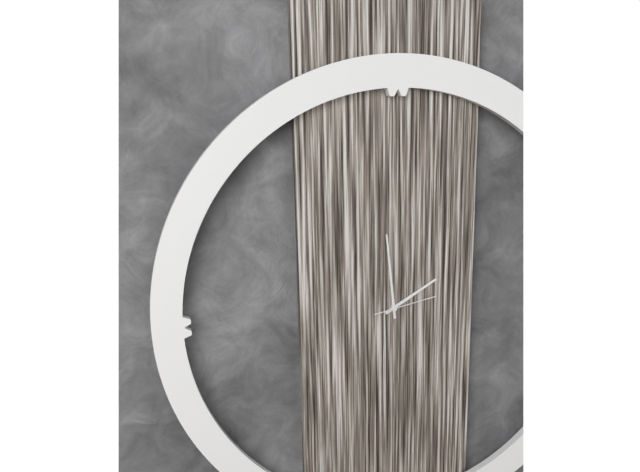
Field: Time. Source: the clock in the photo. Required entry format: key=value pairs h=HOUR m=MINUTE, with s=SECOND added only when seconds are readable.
h=1 m=59 s=13
